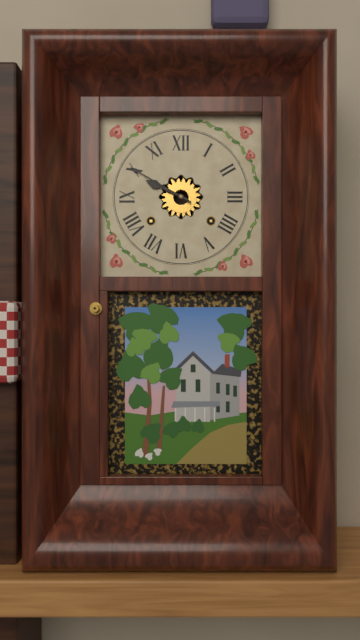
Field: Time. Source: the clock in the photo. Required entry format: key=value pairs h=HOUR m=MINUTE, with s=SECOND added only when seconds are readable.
h=9 m=50
